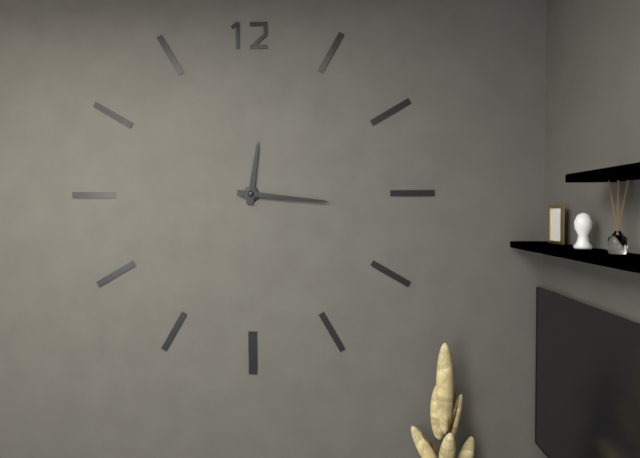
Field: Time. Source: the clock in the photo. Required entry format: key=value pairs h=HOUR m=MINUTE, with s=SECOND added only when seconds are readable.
h=12 m=16
